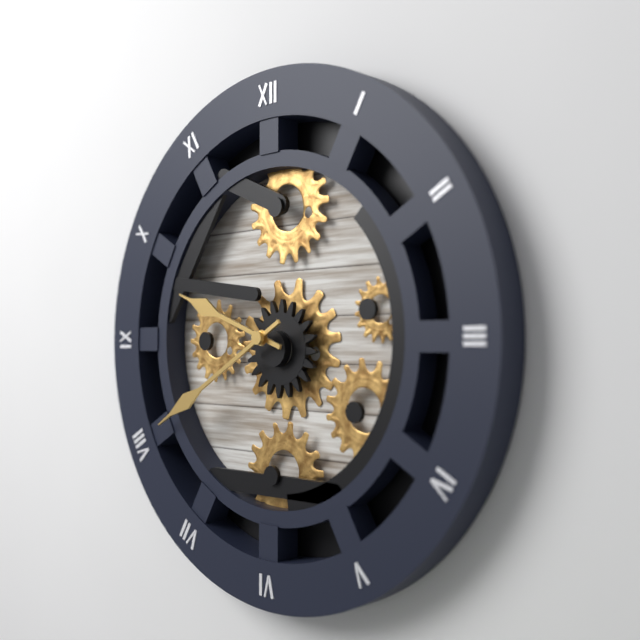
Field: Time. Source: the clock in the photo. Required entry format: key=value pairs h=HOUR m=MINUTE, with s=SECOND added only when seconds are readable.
h=9 m=40
